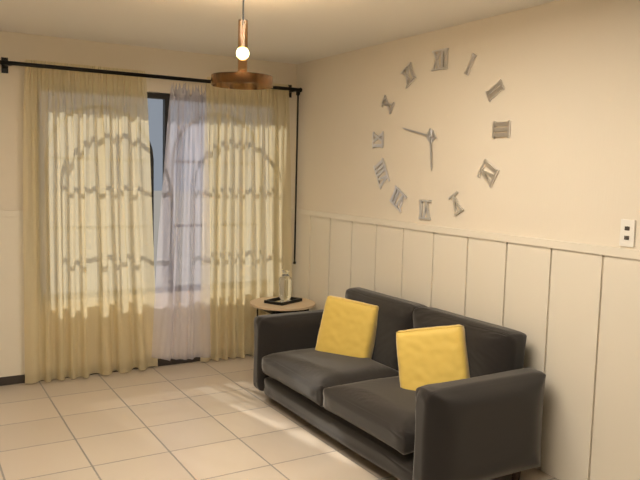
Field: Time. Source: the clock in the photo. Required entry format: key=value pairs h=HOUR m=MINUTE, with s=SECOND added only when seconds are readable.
h=5 m=47
